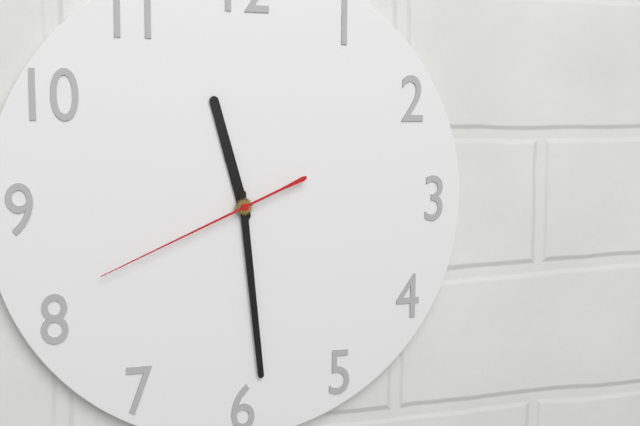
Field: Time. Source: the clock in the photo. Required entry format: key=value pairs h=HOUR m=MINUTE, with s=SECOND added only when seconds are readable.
h=11 m=29 s=41
